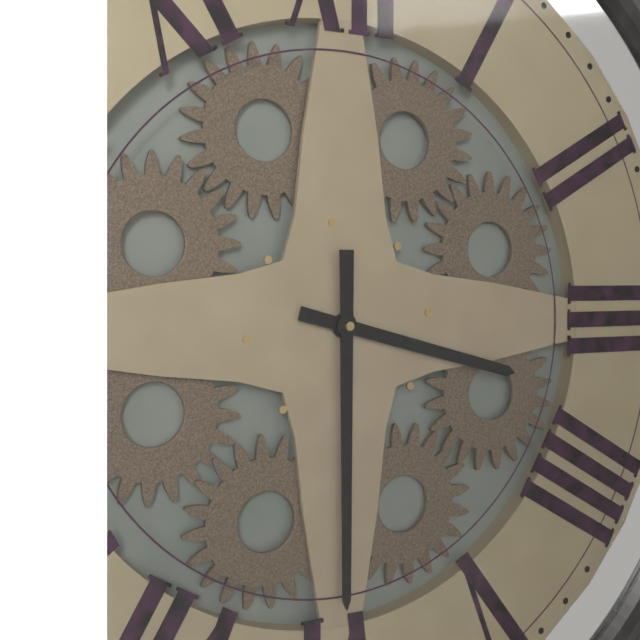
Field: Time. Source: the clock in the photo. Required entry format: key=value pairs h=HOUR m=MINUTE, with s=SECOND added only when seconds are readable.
h=3 m=30
